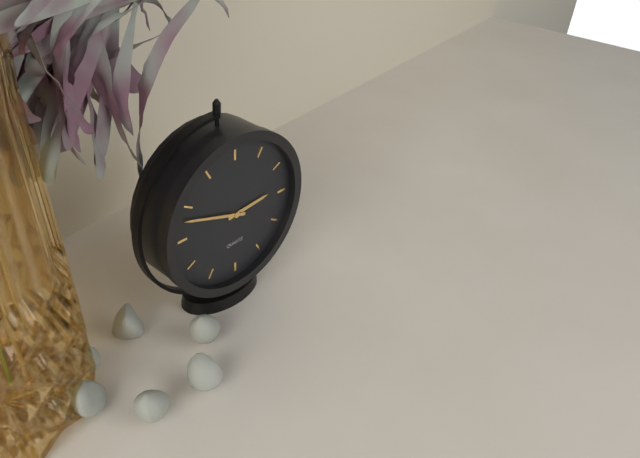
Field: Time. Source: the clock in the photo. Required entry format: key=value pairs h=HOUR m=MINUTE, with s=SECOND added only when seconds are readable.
h=2 m=48
